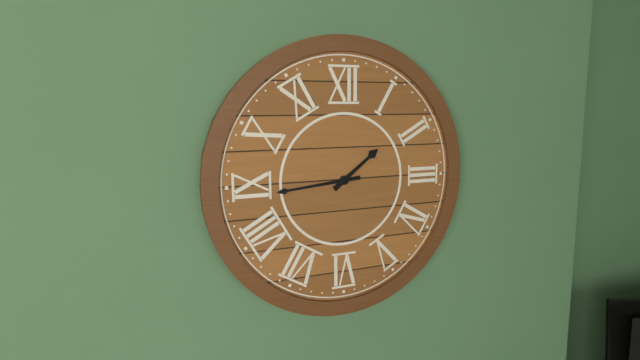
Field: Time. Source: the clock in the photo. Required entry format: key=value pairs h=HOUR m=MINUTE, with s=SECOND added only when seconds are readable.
h=1 m=44
